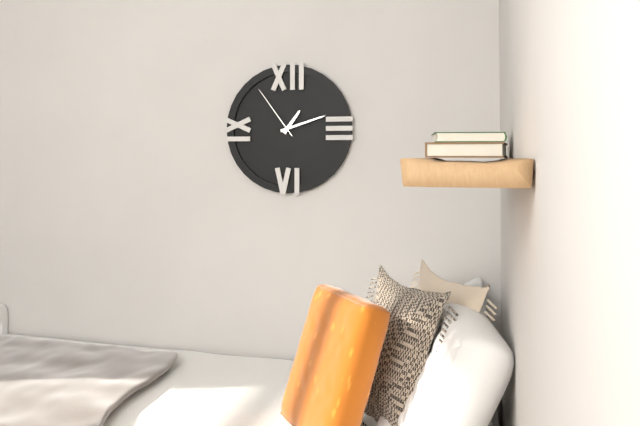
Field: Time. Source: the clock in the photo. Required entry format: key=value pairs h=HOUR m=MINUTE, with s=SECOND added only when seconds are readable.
h=1 m=12 s=54
